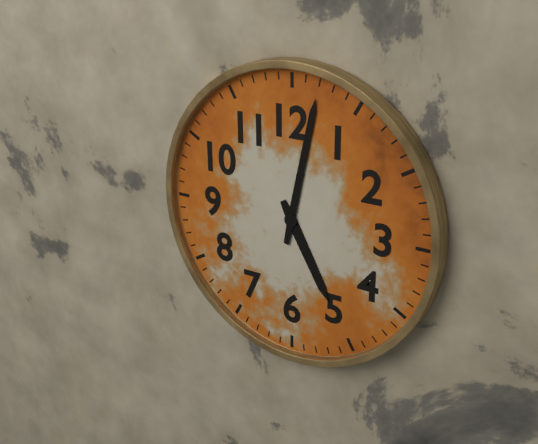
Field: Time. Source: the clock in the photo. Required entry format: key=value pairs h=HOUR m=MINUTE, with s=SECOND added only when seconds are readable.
h=5 m=2
